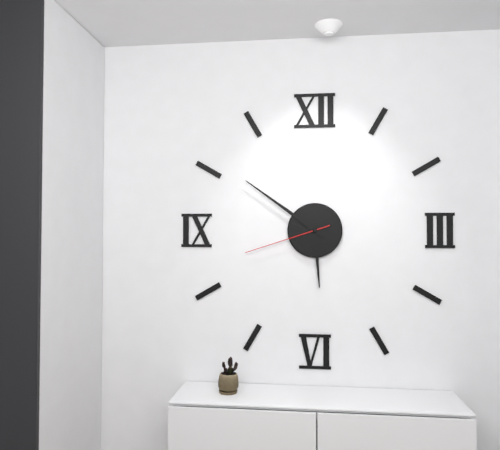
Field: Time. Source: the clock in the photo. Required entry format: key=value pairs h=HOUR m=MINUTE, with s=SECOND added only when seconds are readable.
h=5 m=51 s=42
